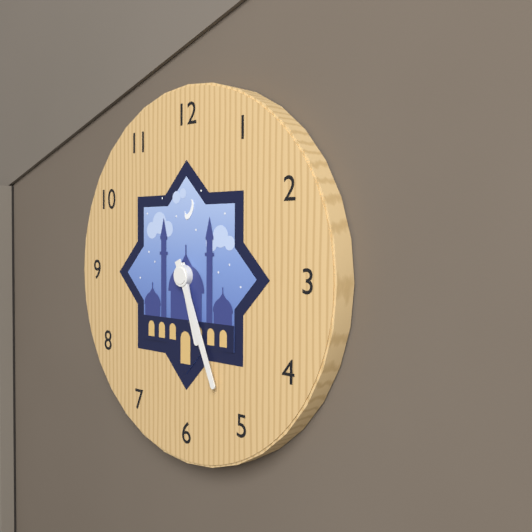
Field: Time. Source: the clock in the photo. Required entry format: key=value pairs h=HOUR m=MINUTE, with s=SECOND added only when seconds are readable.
h=5 m=26
